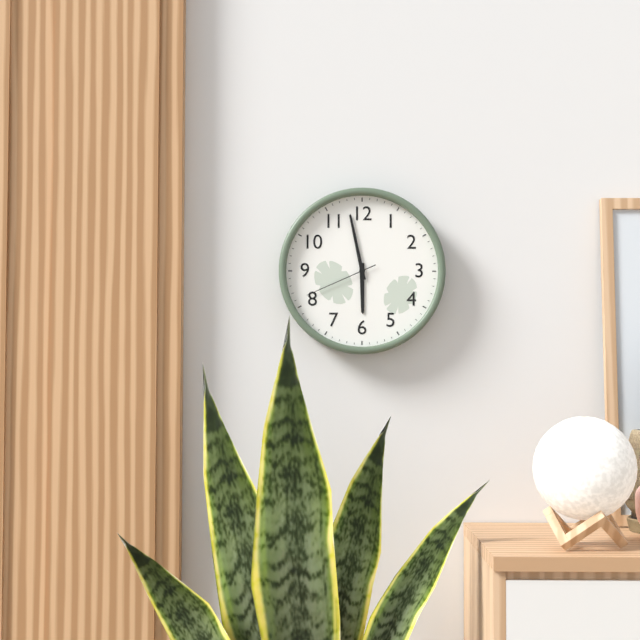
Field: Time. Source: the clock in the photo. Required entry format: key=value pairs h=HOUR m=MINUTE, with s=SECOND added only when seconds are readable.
h=5 m=58 s=41
